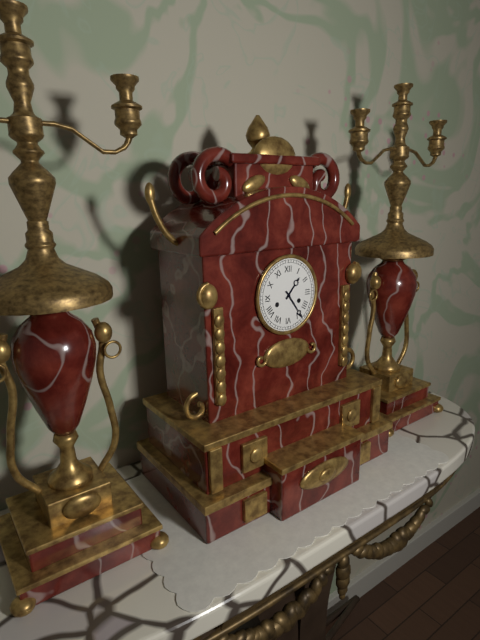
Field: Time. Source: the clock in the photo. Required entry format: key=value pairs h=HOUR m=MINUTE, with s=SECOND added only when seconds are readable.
h=1 m=24
